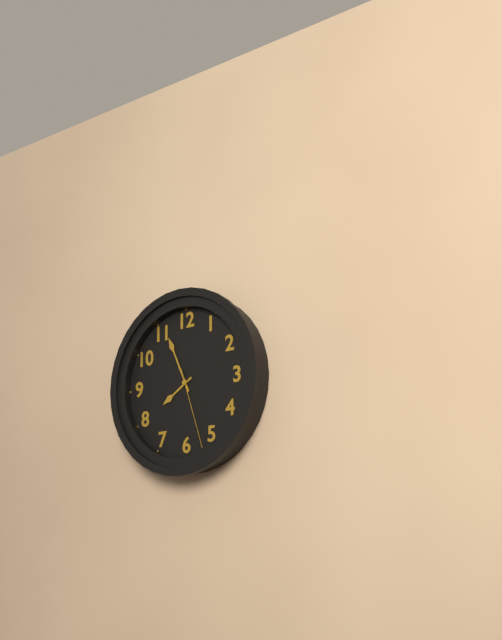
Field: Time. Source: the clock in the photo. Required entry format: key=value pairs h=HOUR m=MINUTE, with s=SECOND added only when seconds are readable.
h=7 m=56 s=27
